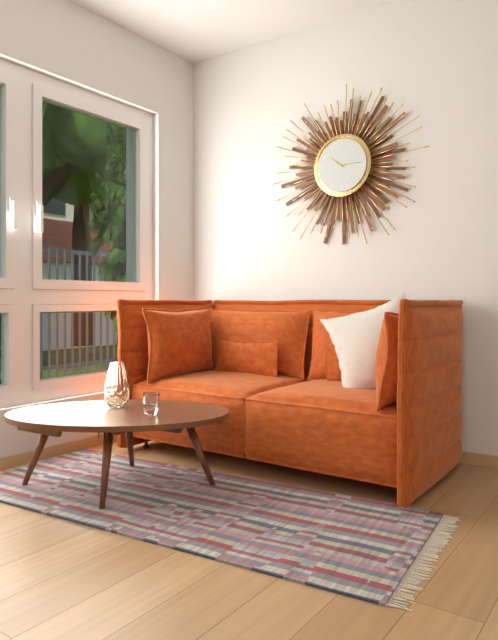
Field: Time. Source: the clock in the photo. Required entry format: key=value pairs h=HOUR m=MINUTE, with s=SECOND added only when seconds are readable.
h=10 m=15
